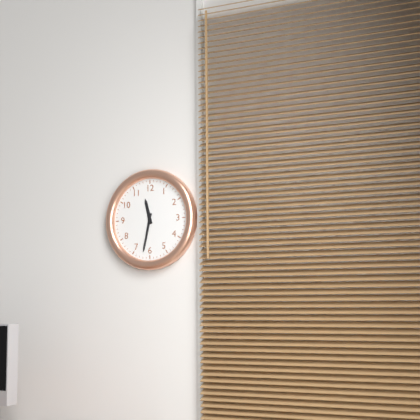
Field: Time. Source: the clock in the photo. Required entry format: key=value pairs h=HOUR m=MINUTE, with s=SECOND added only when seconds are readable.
h=11 m=32
